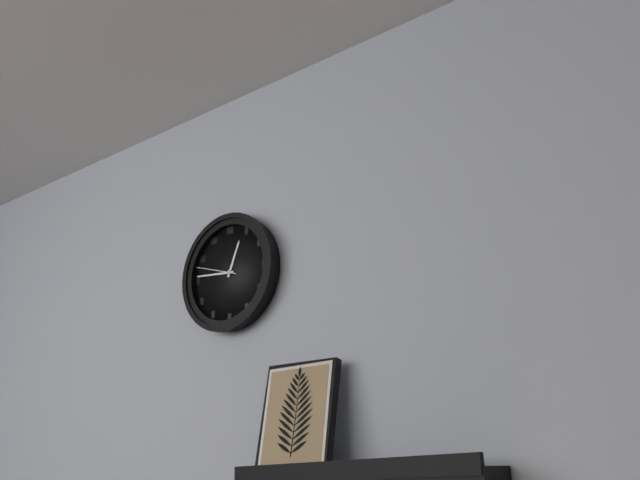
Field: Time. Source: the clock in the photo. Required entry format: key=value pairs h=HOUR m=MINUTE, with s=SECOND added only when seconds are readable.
h=12 m=46
